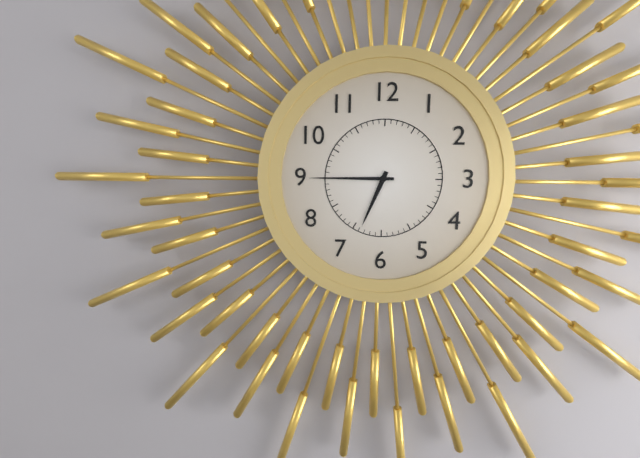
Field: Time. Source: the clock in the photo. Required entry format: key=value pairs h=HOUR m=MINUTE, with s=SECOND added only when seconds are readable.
h=6 m=45
